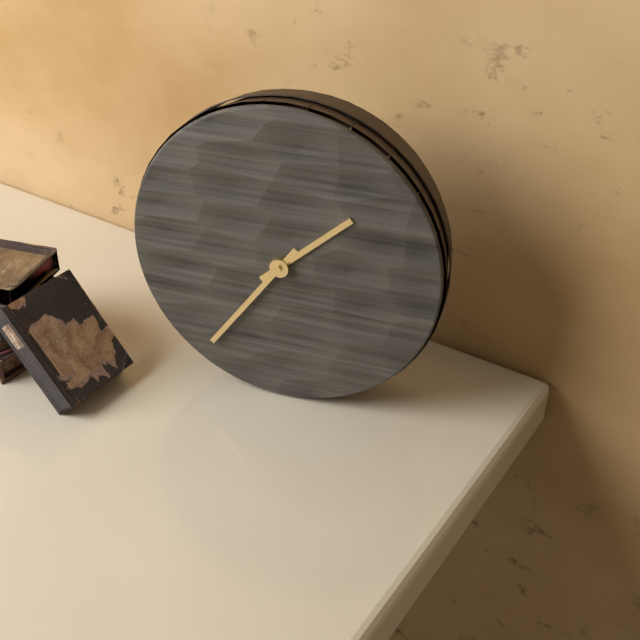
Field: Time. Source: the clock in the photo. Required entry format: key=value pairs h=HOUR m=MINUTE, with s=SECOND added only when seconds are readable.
h=1 m=36
